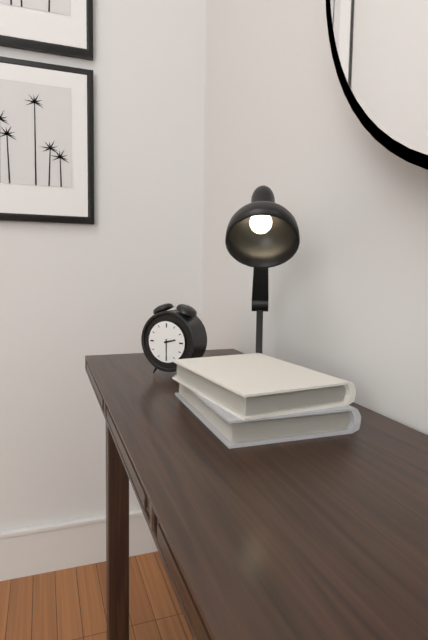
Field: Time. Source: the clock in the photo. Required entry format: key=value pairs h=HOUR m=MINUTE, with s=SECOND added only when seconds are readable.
h=2 m=30
